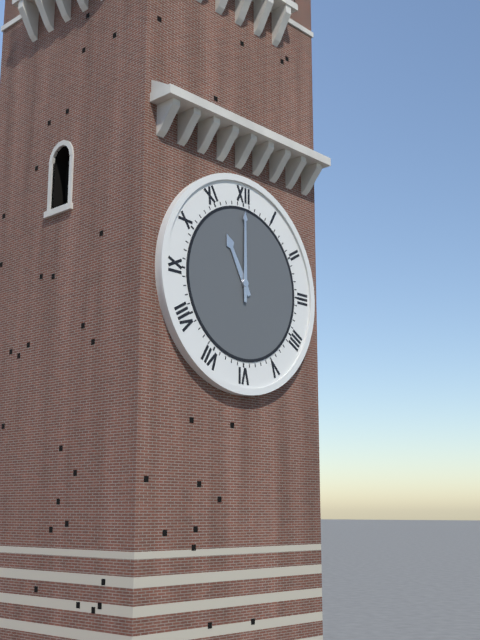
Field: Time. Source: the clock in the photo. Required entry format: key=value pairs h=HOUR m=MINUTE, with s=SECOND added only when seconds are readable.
h=11 m=0
